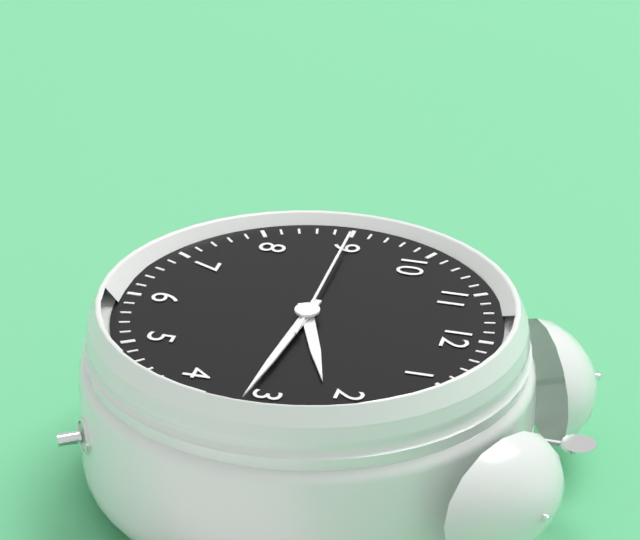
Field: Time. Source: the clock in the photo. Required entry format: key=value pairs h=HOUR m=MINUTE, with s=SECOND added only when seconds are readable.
h=2 m=16 s=45
